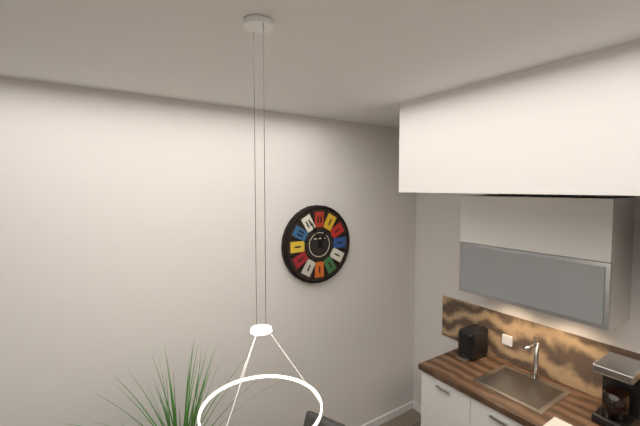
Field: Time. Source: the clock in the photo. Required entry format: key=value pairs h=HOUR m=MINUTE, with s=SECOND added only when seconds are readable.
h=12 m=56
